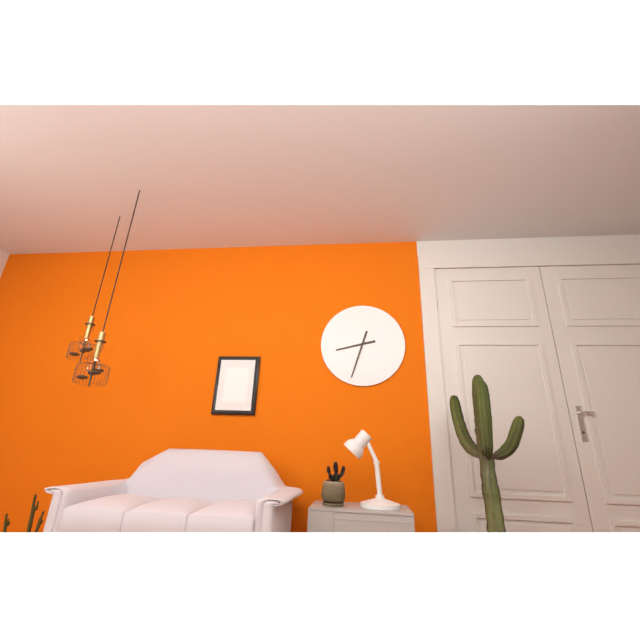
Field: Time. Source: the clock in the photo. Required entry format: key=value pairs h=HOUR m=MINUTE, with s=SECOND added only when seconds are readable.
h=8 m=33
